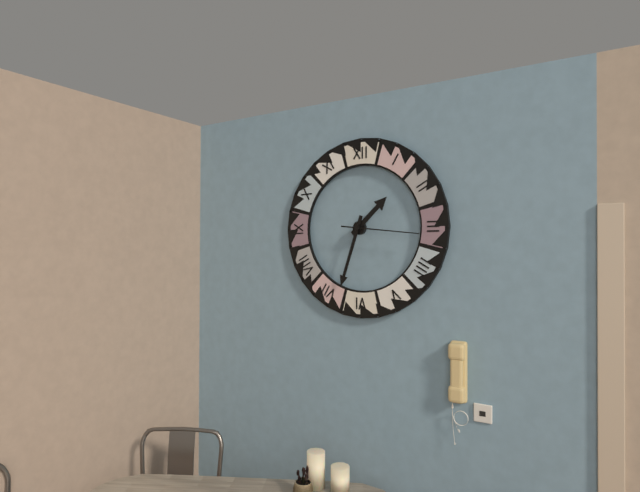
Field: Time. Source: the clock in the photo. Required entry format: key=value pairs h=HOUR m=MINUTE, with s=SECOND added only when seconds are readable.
h=1 m=33 s=16
